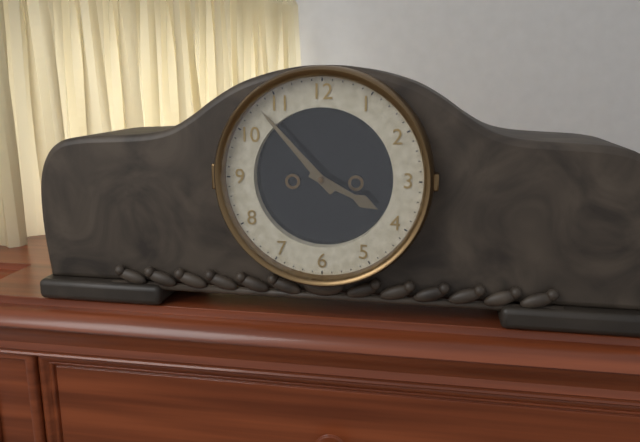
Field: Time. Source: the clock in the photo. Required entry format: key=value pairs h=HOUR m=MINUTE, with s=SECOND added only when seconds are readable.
h=3 m=53
